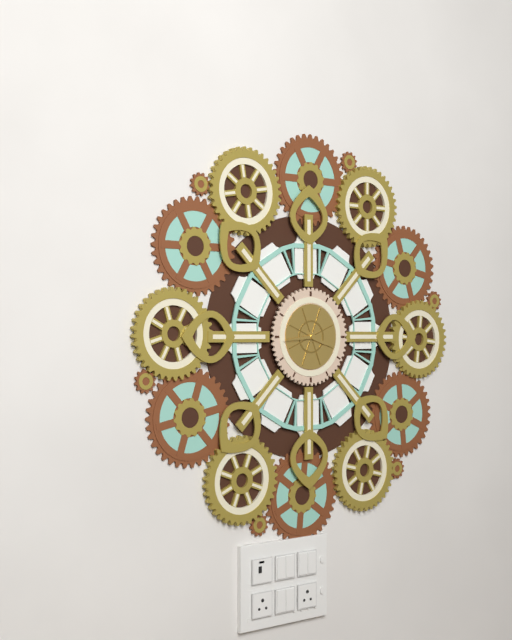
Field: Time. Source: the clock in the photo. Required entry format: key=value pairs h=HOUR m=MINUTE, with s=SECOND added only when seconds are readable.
h=3 m=44
